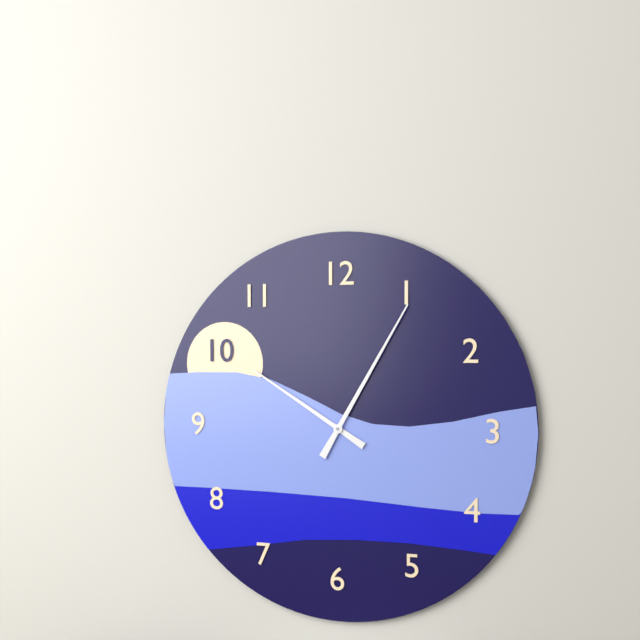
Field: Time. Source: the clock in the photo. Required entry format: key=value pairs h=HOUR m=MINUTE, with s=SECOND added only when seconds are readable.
h=10 m=5
